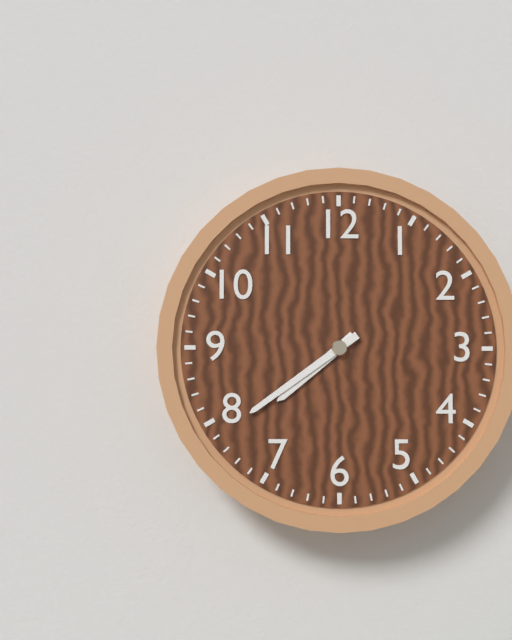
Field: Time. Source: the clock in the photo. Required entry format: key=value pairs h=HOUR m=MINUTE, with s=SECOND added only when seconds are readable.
h=7 m=39
